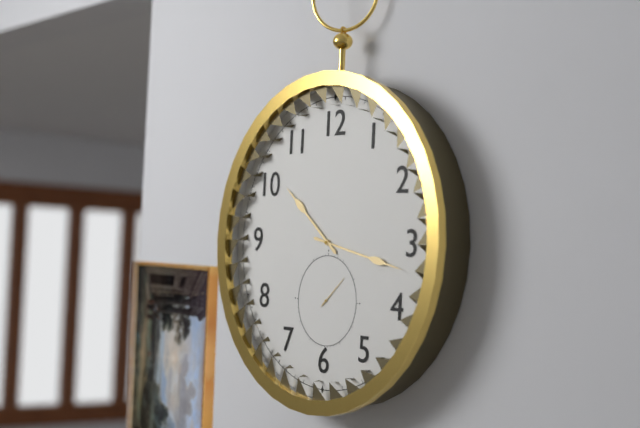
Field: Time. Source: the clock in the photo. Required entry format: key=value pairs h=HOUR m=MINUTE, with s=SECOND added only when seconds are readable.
h=10 m=17
